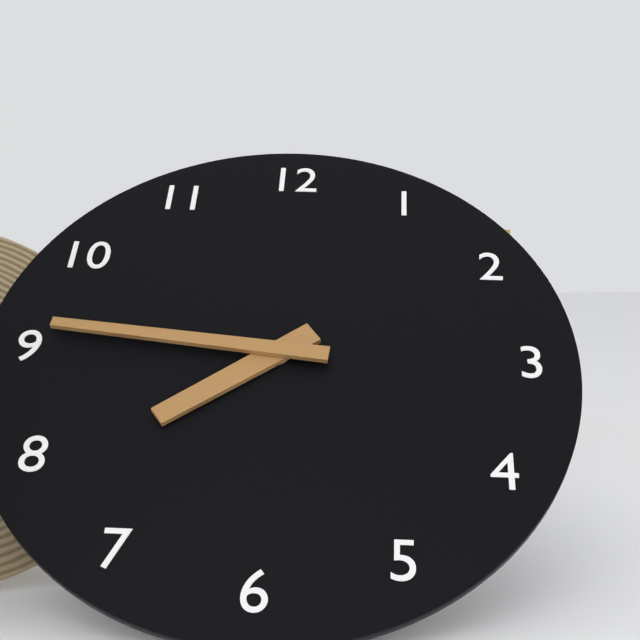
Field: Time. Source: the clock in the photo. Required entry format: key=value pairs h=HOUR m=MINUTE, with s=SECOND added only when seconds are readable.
h=7 m=46
